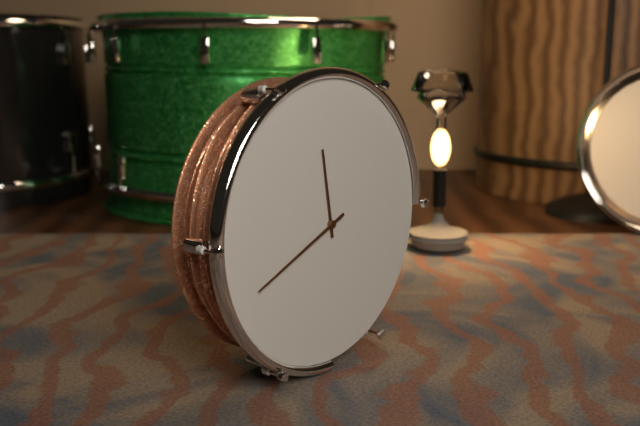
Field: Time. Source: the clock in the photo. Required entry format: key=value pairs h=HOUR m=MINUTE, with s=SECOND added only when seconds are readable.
h=11 m=41
